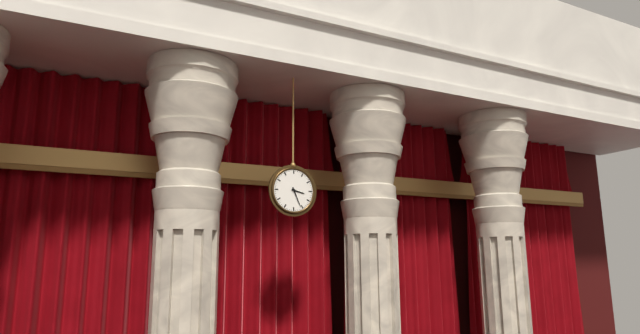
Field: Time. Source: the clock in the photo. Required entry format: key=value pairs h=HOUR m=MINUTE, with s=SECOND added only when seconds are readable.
h=3 m=26
